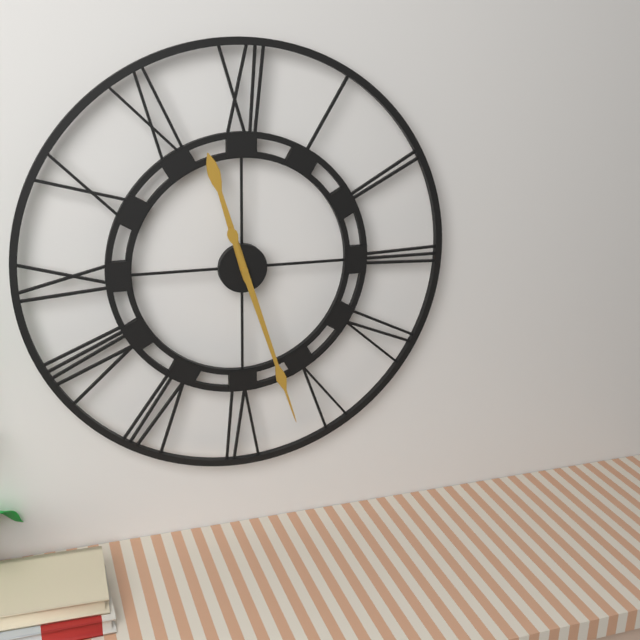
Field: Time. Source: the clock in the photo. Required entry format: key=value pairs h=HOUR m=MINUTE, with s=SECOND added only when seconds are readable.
h=11 m=27
